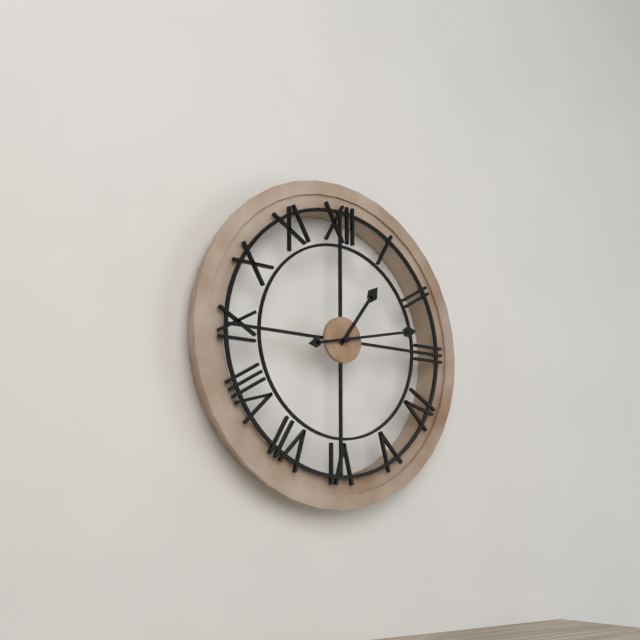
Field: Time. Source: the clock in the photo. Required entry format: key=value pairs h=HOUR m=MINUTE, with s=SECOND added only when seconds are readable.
h=1 m=13
